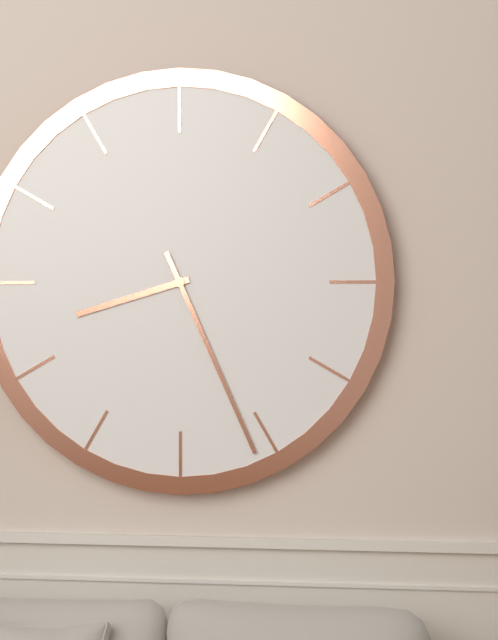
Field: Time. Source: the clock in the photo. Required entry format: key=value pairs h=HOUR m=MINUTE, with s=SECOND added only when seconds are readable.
h=8 m=26
